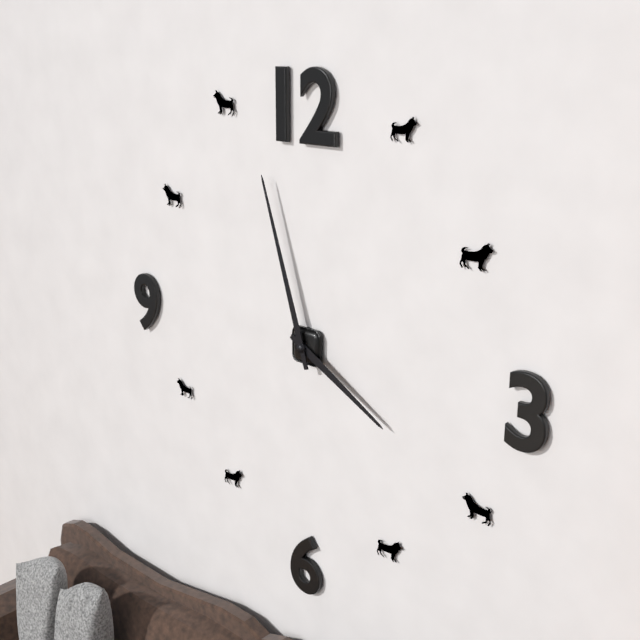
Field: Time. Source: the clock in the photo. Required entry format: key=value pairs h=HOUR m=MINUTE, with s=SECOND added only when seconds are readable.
h=3 m=57
